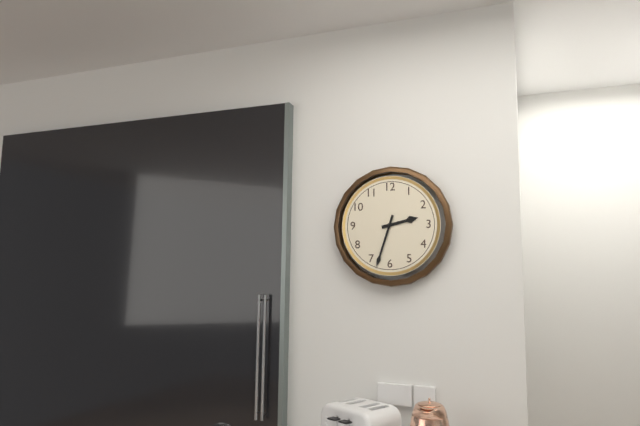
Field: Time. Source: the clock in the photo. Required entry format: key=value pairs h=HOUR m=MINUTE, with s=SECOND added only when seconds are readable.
h=2 m=33
